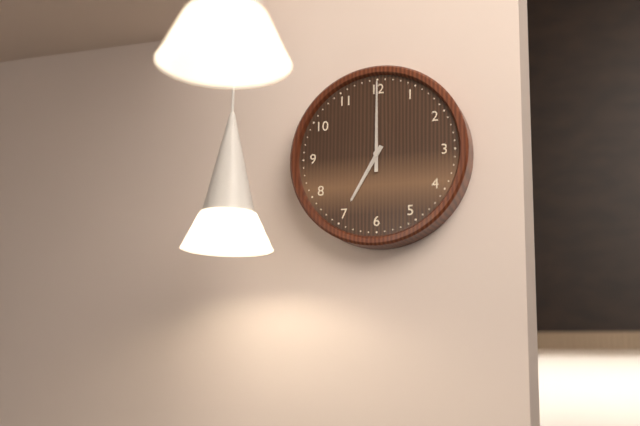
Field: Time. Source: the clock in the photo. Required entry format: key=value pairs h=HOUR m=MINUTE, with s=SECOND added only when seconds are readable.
h=7 m=0
